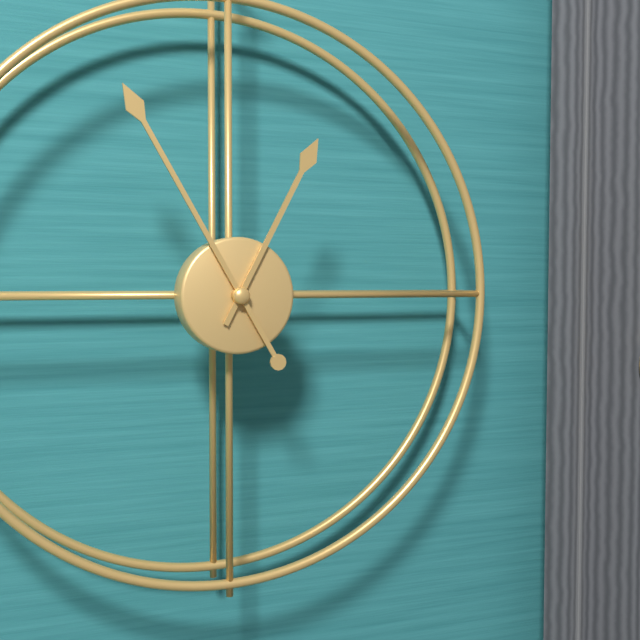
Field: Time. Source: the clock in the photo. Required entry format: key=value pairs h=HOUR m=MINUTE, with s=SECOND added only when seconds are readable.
h=12 m=55
